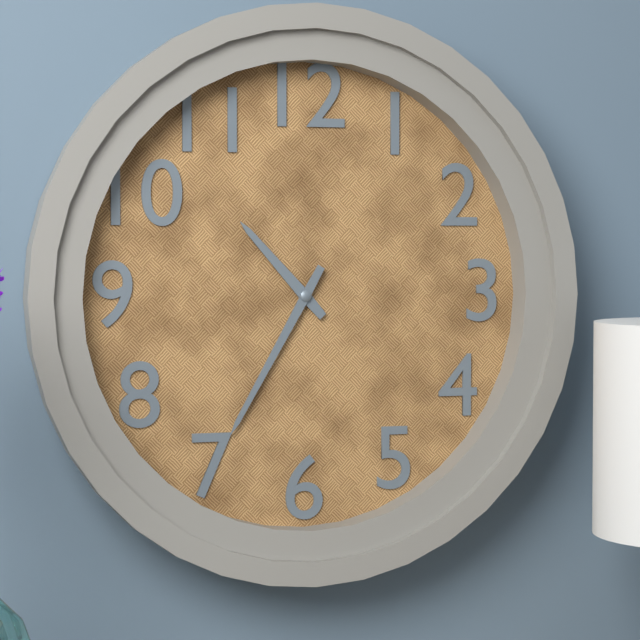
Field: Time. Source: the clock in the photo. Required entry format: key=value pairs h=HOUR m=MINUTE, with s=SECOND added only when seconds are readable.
h=10 m=35
